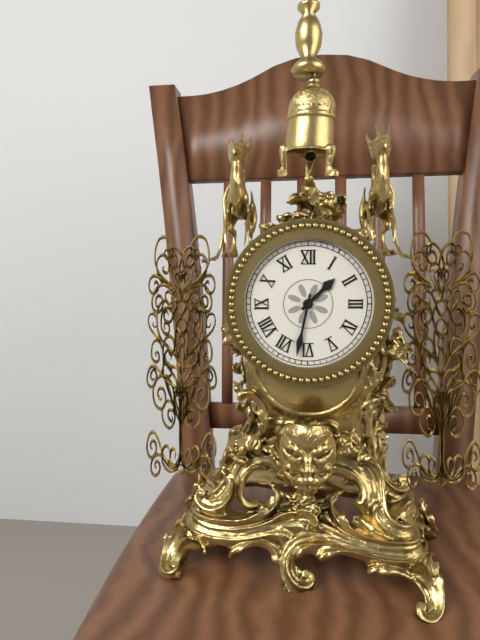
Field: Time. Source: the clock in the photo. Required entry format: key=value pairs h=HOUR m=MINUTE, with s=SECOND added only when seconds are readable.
h=1 m=32
